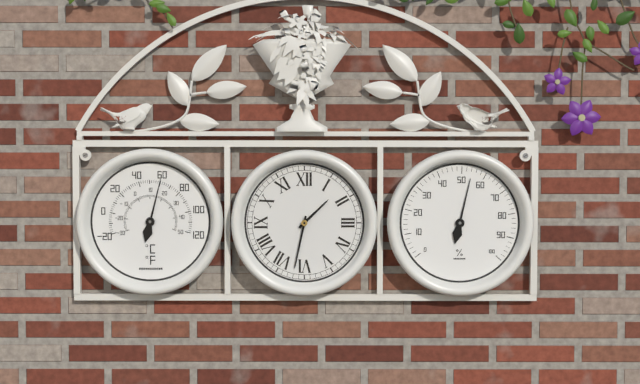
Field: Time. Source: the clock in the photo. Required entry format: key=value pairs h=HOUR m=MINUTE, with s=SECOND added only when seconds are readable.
h=1 m=32
